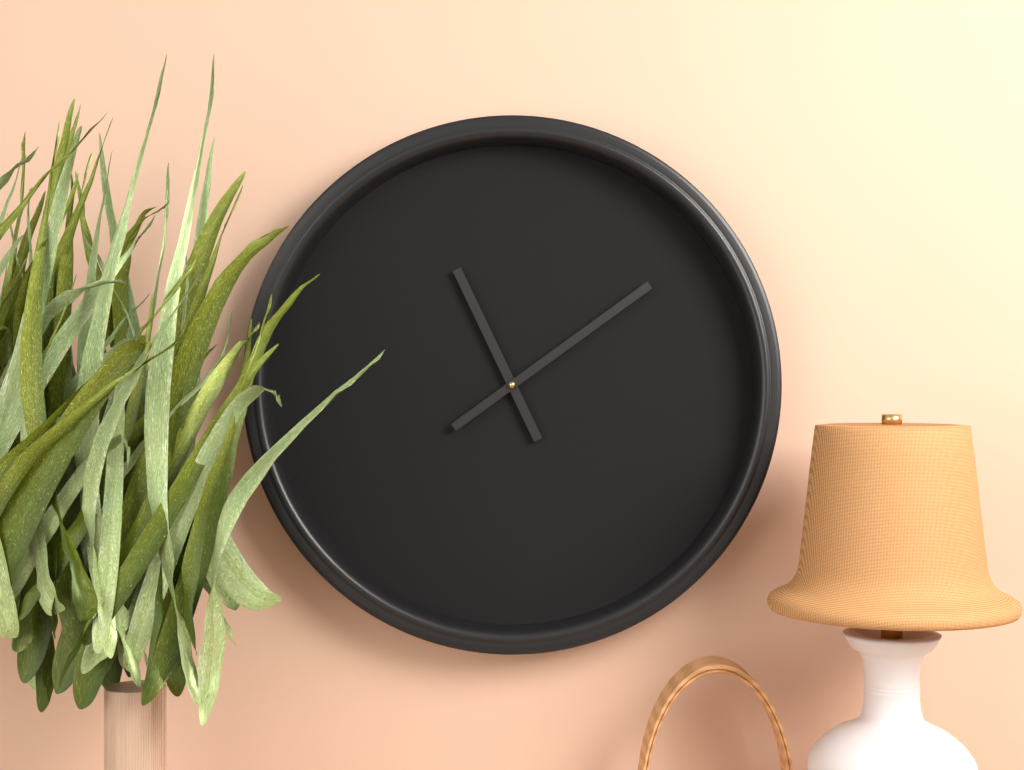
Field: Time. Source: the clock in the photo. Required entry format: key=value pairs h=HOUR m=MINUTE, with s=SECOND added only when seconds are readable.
h=11 m=9
